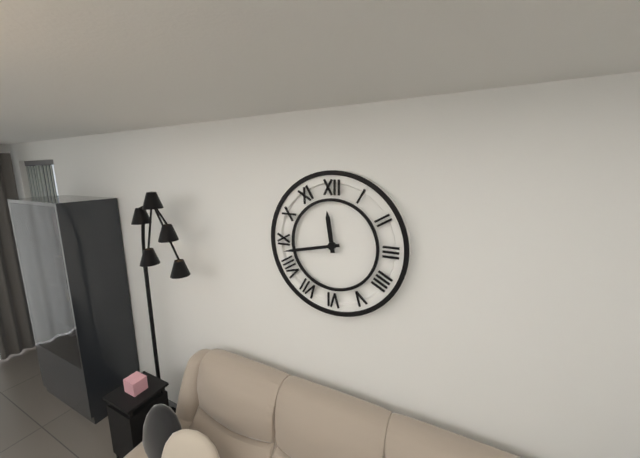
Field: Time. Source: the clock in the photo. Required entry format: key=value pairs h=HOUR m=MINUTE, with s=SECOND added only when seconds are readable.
h=11 m=43
